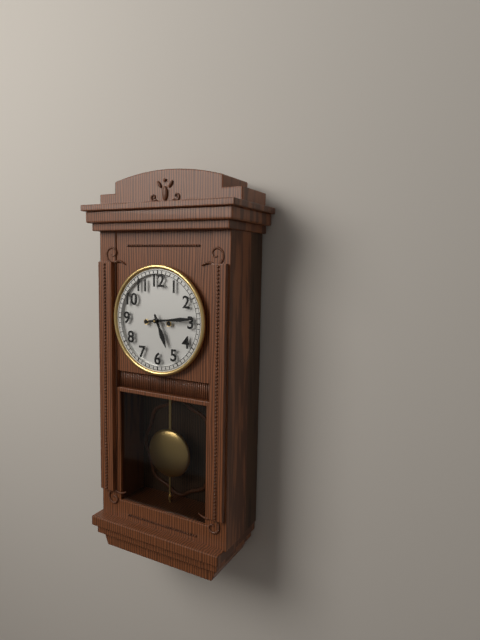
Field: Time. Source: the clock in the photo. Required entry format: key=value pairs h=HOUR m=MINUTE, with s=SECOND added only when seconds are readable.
h=5 m=14
